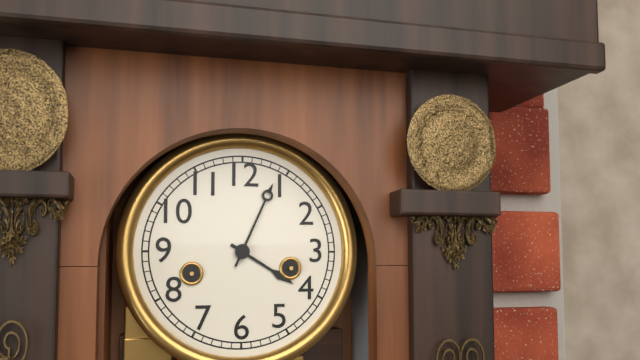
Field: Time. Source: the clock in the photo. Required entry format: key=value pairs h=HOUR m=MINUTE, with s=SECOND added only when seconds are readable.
h=4 m=4
